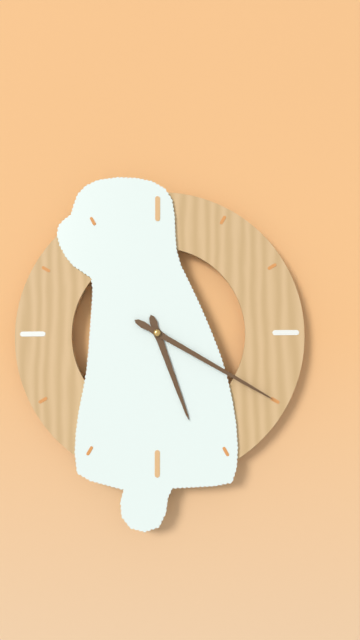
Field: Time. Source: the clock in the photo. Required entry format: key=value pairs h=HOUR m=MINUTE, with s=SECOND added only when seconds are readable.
h=5 m=20
